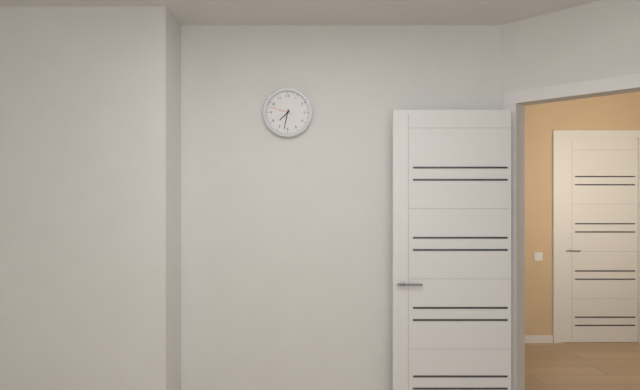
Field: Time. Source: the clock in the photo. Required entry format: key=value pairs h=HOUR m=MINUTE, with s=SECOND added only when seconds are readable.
h=7 m=32
